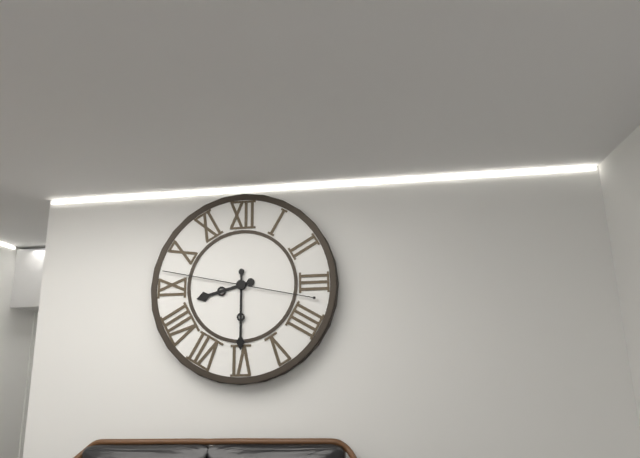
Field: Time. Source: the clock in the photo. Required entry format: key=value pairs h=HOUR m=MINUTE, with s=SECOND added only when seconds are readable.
h=8 m=30 s=47
